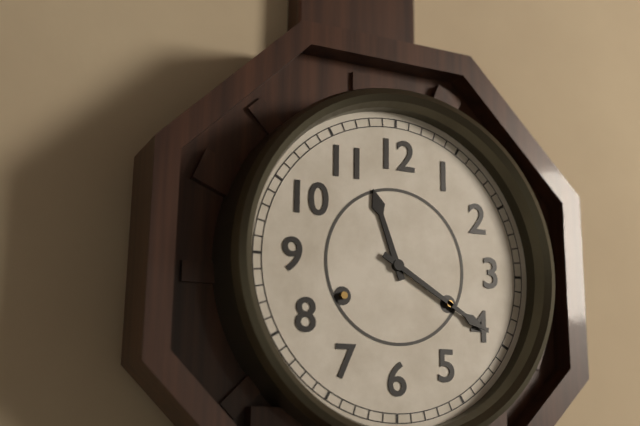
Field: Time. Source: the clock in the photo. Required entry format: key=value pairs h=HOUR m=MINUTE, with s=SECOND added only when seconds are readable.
h=11 m=20
